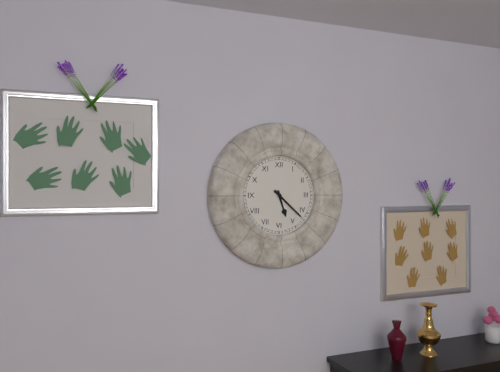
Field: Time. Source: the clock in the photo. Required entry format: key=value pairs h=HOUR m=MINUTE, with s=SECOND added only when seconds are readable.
h=5 m=22
